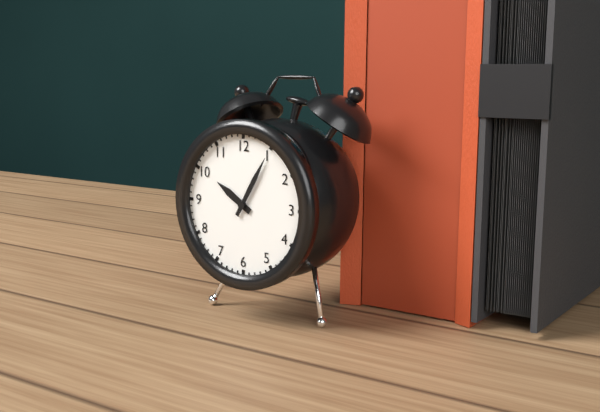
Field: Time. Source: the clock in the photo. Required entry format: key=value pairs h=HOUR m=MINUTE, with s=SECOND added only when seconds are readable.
h=10 m=5
